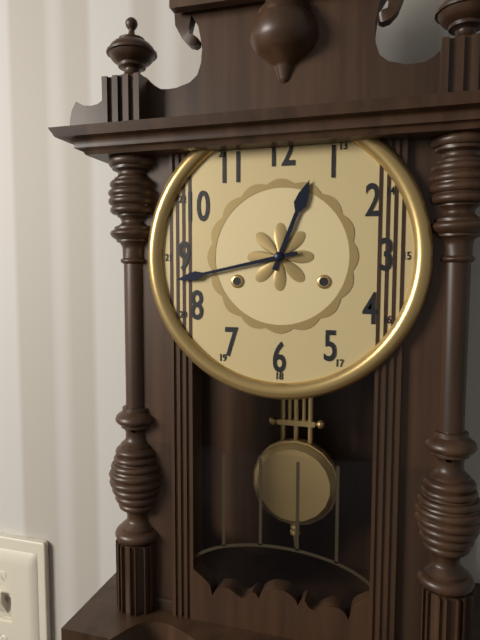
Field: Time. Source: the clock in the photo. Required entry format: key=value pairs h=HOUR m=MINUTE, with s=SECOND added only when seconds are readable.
h=12 m=43
